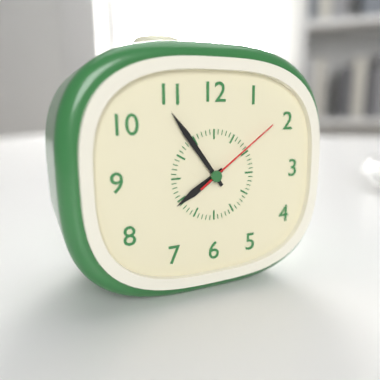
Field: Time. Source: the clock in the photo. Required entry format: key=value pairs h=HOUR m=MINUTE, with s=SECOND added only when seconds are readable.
h=7 m=54 s=9
